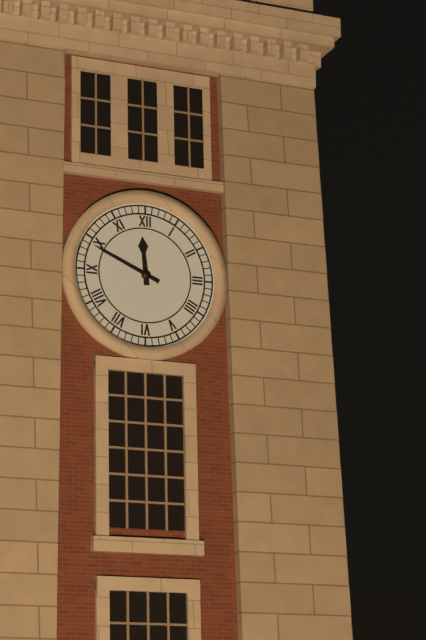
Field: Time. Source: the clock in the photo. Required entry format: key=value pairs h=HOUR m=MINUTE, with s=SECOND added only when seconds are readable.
h=11 m=49
